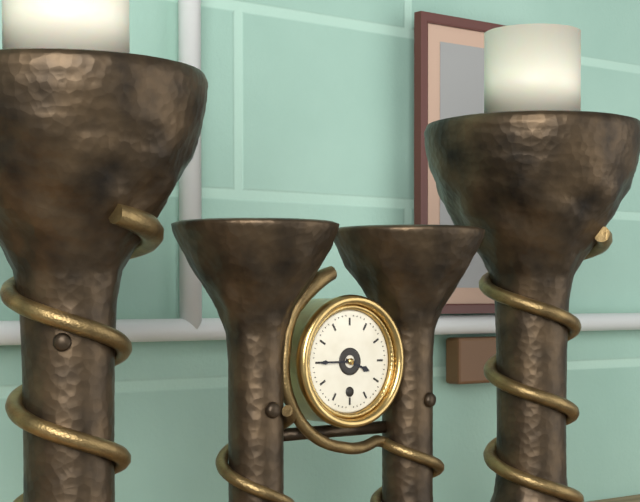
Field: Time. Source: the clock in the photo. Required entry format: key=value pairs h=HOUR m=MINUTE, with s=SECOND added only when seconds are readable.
h=3 m=45
